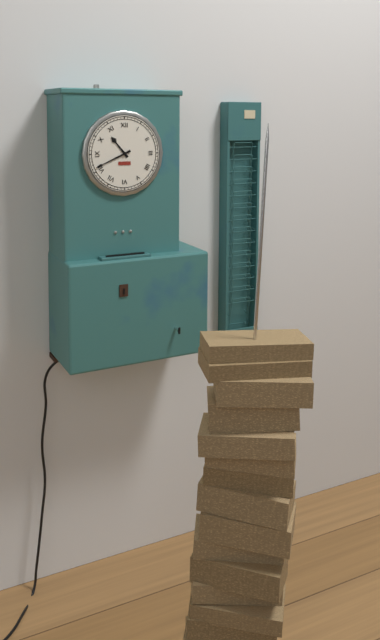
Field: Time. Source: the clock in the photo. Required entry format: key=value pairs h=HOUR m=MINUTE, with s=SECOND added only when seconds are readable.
h=10 m=41
